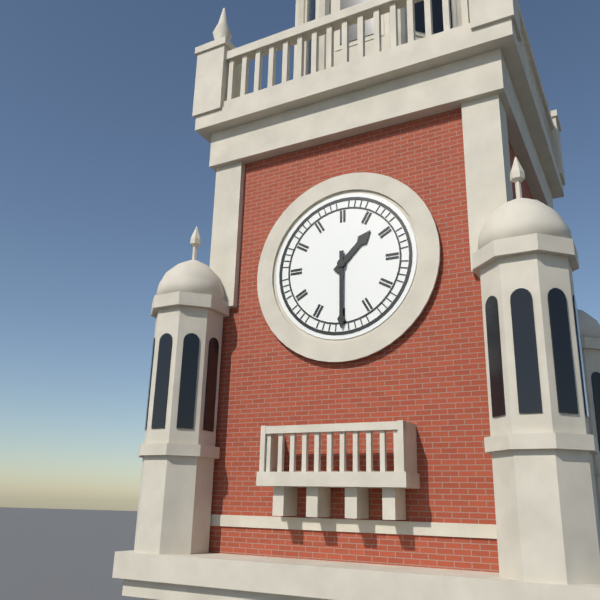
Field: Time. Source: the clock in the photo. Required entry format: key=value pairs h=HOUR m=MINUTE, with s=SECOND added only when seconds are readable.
h=1 m=30
